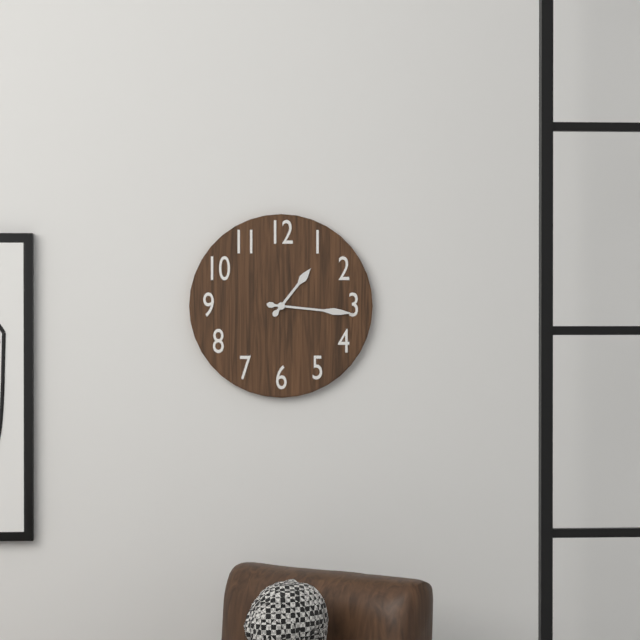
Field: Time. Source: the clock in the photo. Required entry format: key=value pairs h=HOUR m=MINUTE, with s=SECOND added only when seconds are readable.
h=1 m=16
